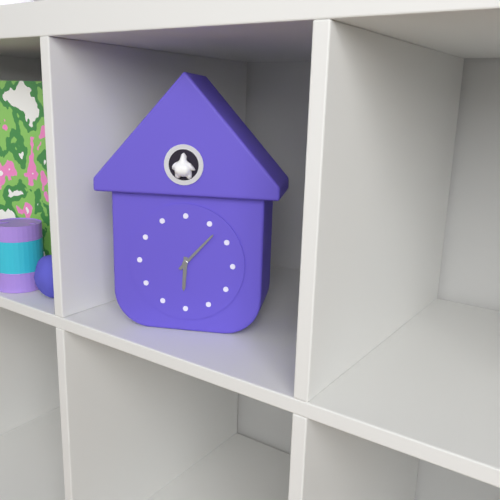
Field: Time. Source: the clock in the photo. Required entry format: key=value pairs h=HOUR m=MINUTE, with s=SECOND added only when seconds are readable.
h=6 m=7
